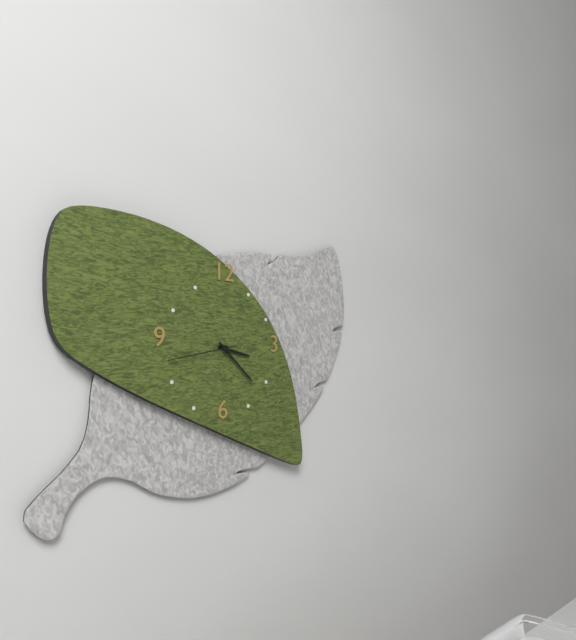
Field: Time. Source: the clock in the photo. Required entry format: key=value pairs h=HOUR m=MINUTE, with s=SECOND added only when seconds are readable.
h=3 m=22 s=43
